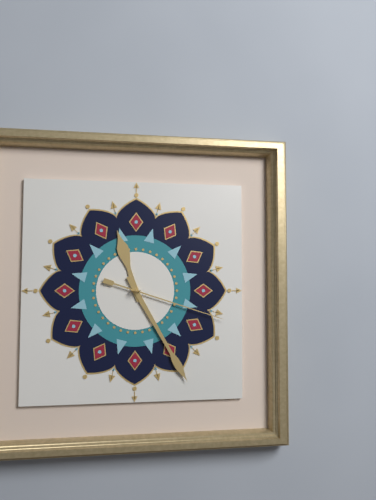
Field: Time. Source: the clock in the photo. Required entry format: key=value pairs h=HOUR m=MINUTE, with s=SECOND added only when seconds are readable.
h=11 m=25 s=18
